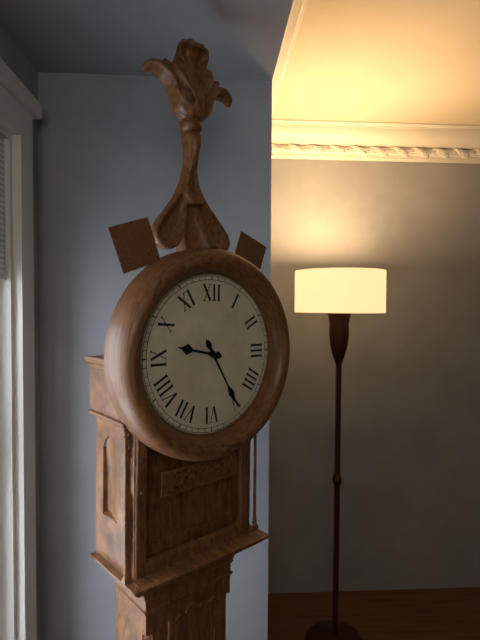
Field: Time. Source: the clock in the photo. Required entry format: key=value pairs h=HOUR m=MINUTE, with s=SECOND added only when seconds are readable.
h=9 m=25
